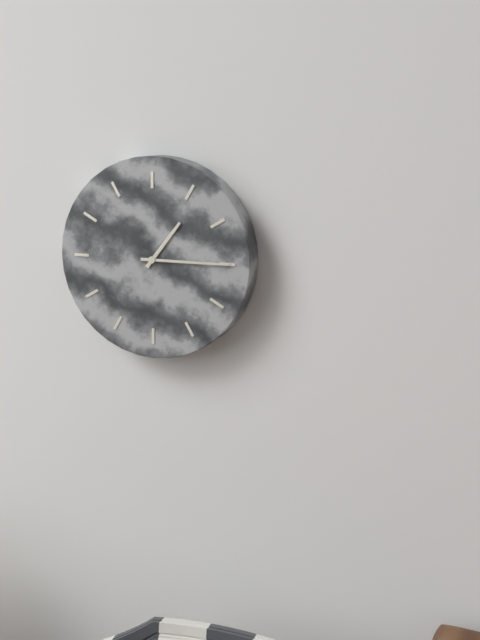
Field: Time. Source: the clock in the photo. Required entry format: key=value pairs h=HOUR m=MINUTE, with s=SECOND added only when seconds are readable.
h=1 m=15
